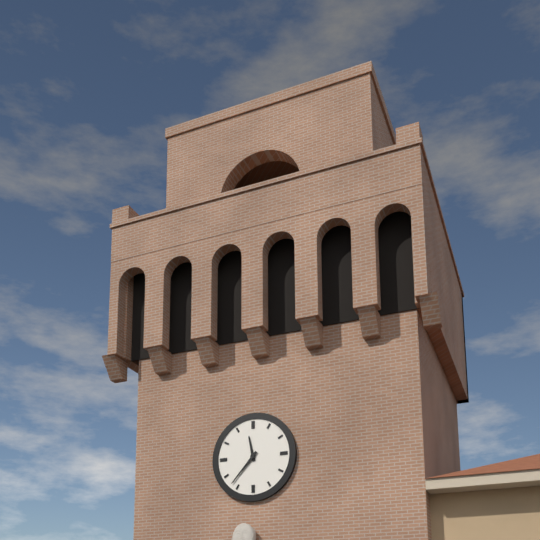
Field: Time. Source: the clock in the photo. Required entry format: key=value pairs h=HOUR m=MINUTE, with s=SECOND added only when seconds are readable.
h=11 m=37
